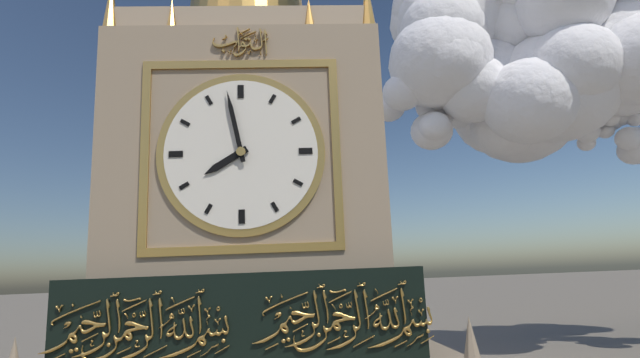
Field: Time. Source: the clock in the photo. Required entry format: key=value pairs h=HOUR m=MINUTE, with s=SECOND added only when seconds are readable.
h=7 m=58
